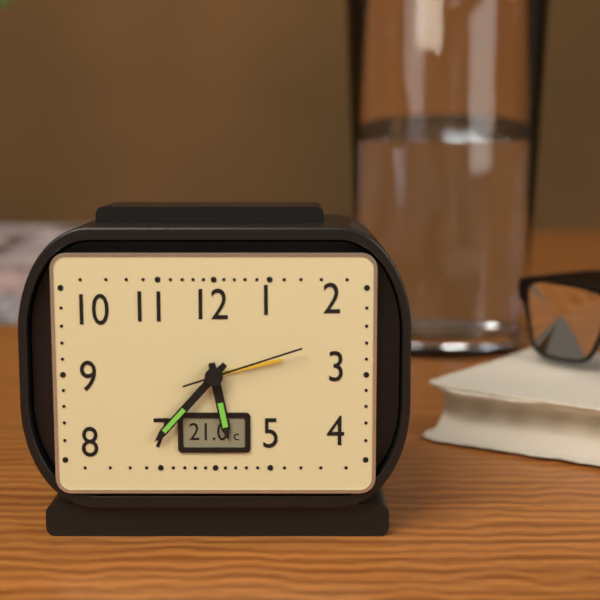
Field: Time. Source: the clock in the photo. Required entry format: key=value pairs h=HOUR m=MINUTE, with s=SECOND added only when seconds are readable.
h=5 m=37 s=12
